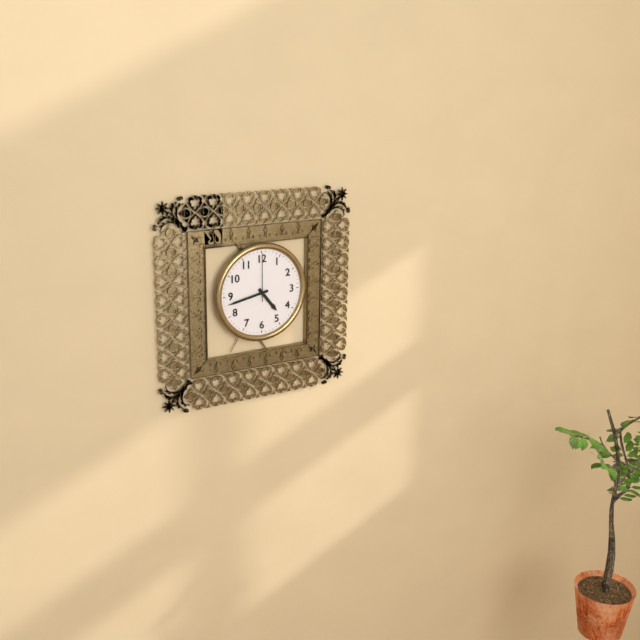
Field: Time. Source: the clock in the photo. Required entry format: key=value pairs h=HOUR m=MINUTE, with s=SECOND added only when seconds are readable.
h=4 m=43
